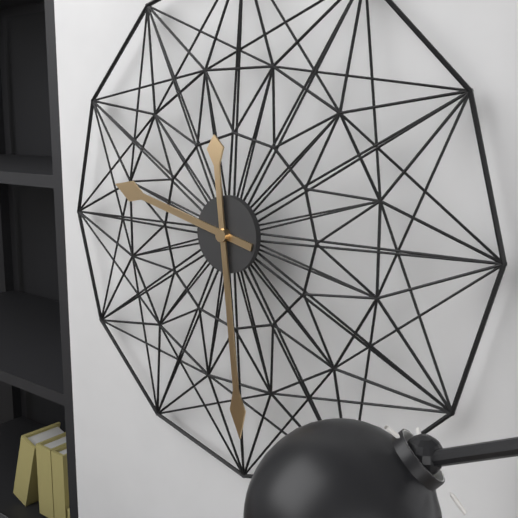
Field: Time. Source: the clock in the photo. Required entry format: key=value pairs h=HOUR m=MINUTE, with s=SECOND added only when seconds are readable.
h=9 m=29
